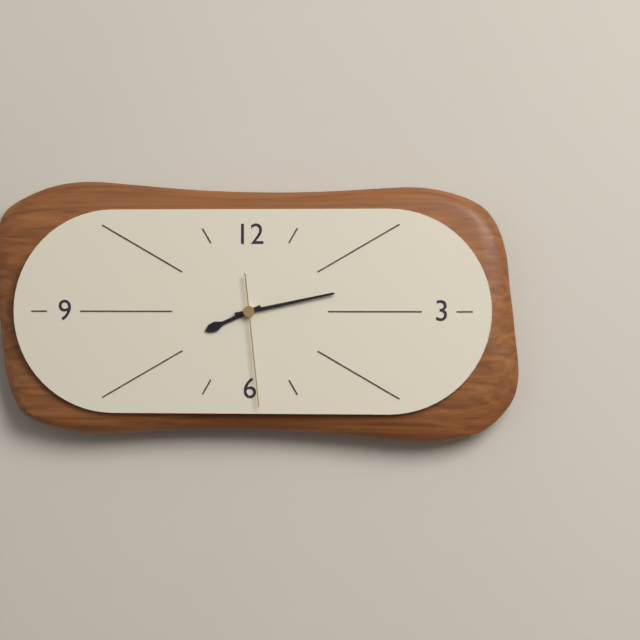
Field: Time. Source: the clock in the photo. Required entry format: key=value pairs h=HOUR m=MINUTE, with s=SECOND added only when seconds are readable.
h=8 m=13 s=29
